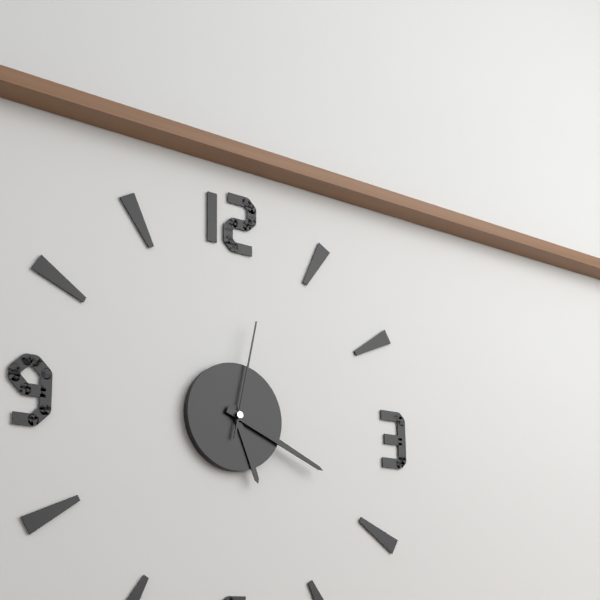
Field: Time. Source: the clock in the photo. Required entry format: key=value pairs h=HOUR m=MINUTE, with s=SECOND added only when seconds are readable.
h=5 m=19 s=2
